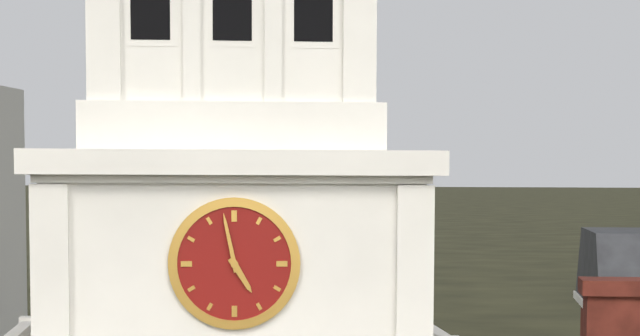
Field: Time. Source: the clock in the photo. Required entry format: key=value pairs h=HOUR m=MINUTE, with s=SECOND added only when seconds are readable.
h=4 m=58
